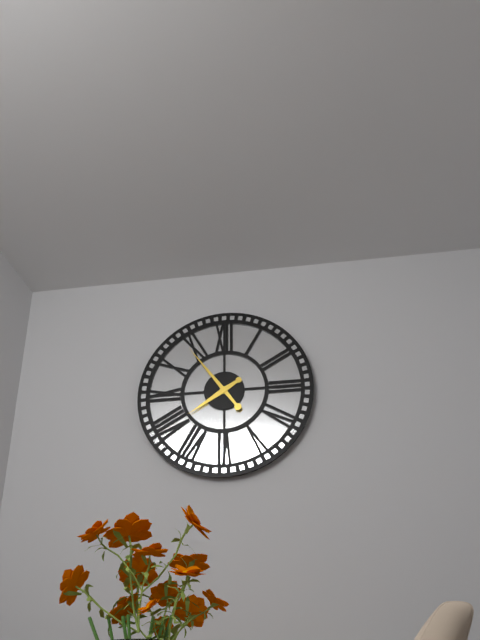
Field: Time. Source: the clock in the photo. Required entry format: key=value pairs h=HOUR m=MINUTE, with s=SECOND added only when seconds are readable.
h=7 m=54
